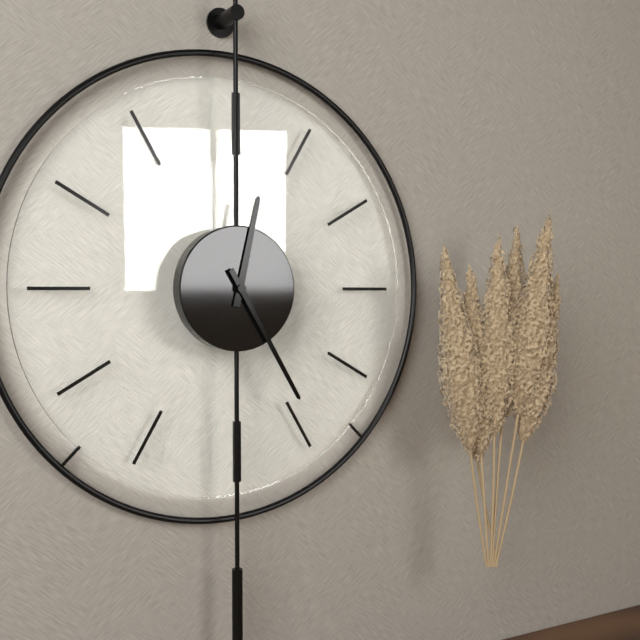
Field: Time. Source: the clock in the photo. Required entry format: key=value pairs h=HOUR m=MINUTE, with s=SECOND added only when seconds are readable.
h=12 m=25
